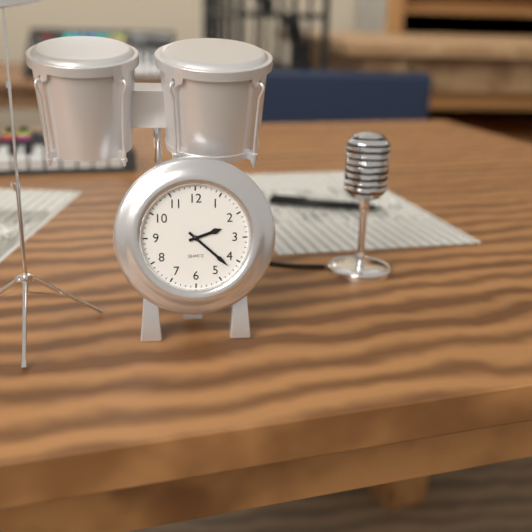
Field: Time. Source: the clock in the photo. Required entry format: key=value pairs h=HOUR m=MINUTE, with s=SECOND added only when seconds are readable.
h=2 m=22
